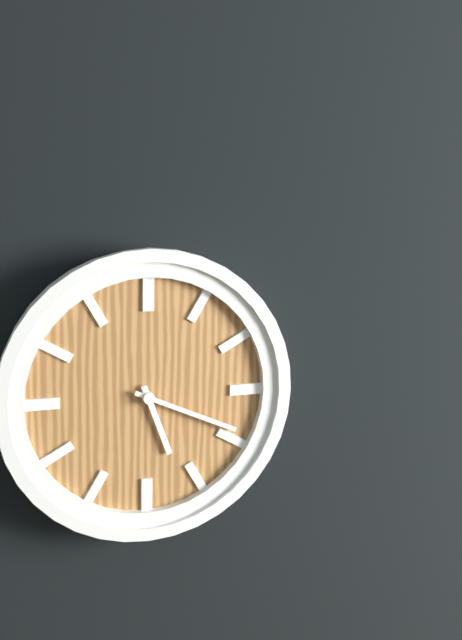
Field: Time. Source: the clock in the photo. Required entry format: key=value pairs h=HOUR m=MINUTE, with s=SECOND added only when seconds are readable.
h=5 m=19
